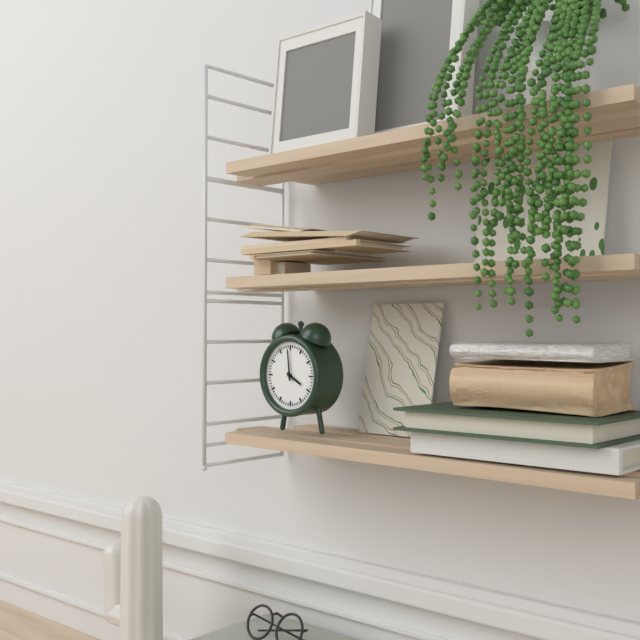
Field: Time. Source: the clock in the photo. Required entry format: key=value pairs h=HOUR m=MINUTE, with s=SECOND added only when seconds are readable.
h=3 m=59
